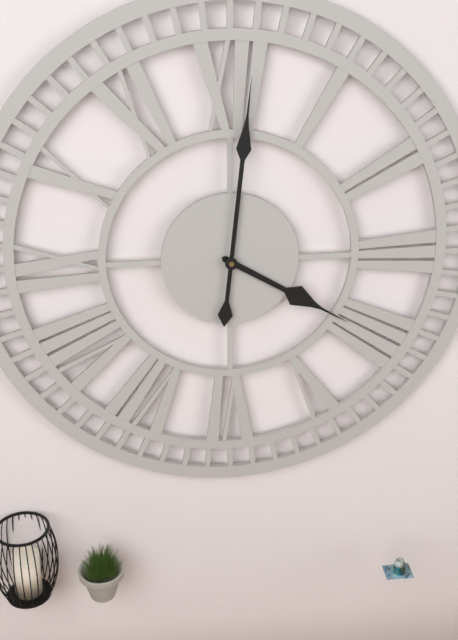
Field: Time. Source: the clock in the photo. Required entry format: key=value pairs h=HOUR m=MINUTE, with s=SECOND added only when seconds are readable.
h=4 m=1
